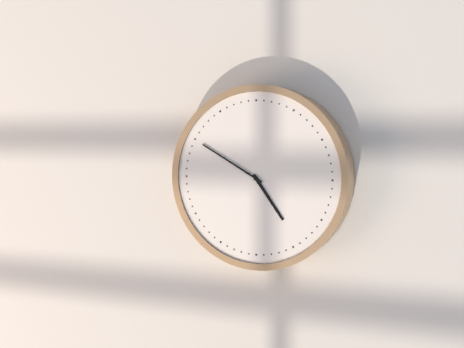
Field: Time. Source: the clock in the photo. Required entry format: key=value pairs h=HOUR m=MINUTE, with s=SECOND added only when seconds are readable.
h=4 m=50
